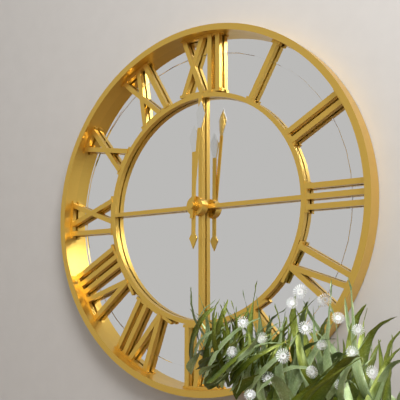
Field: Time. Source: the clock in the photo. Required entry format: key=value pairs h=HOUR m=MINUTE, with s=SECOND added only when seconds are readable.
h=12 m=1
